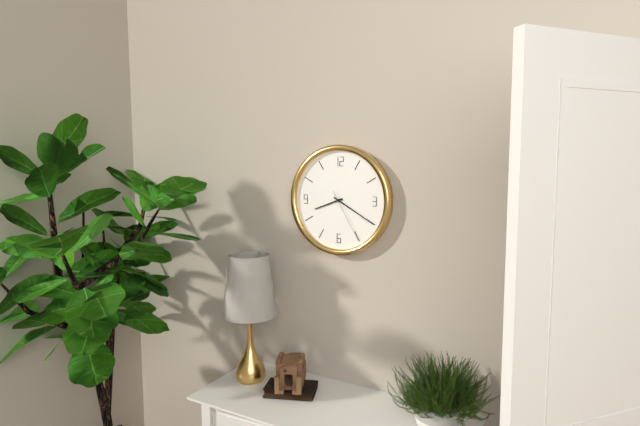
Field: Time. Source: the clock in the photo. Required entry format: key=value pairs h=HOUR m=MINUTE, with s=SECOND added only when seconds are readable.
h=8 m=20 s=25
